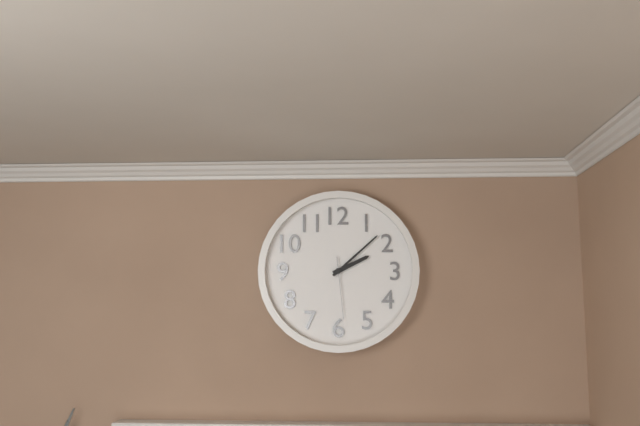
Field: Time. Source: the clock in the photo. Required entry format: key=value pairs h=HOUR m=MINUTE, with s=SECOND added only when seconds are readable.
h=2 m=8 s=29
